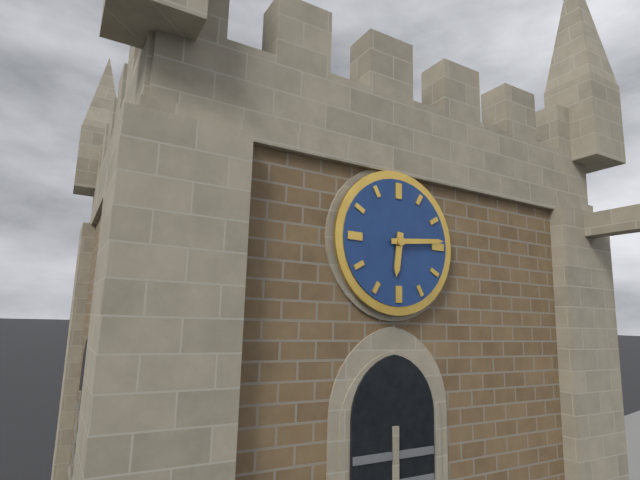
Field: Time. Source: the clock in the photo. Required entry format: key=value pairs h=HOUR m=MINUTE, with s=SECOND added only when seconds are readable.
h=6 m=14
